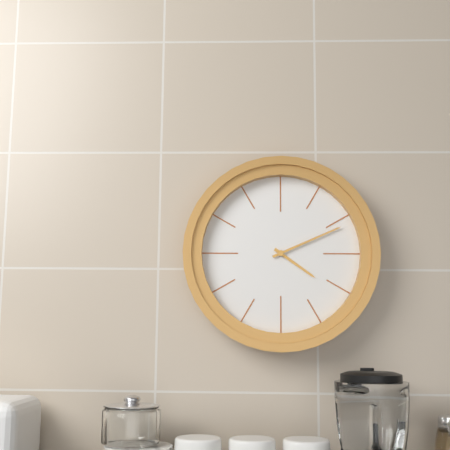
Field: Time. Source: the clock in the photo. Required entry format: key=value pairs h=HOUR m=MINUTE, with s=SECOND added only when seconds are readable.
h=4 m=11
